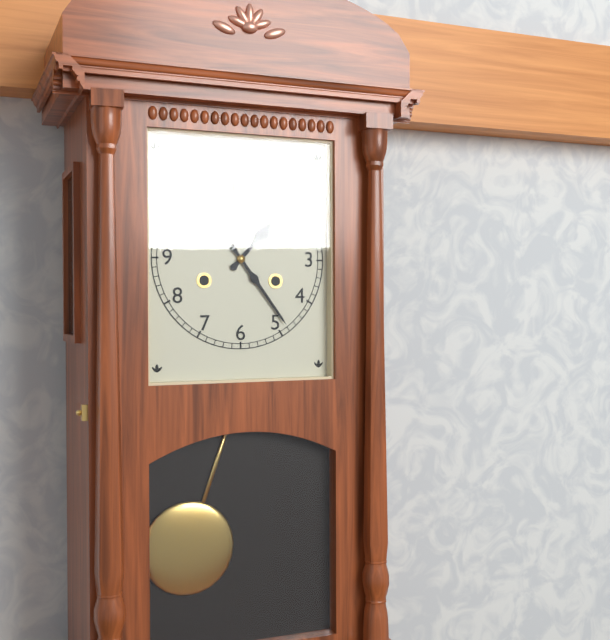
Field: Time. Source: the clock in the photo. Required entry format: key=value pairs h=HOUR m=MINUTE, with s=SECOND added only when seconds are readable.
h=1 m=24
